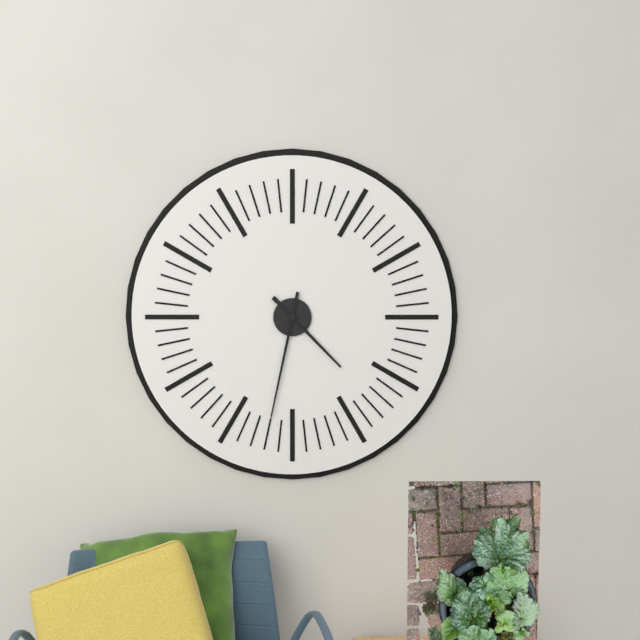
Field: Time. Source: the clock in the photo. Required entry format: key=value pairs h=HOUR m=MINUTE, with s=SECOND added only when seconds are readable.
h=4 m=32
